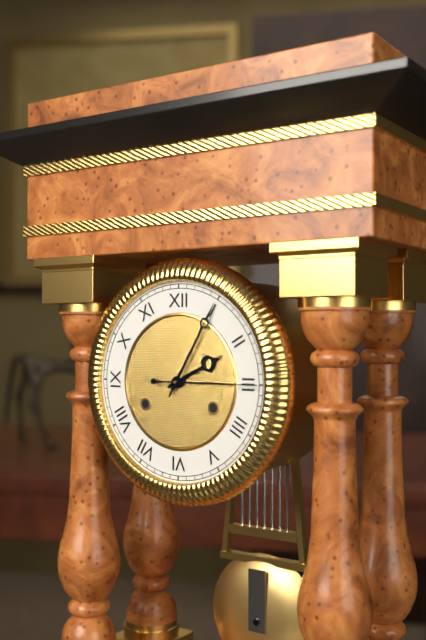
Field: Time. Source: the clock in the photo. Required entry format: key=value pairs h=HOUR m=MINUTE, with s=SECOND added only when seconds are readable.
h=2 m=5 s=15
